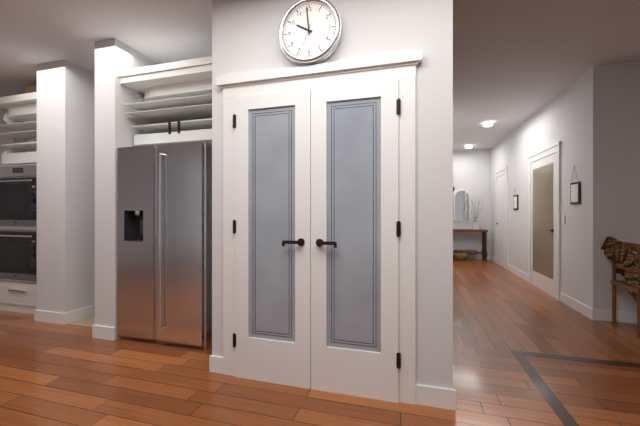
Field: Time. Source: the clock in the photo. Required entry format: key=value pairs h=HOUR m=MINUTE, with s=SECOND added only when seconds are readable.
h=9 m=59
